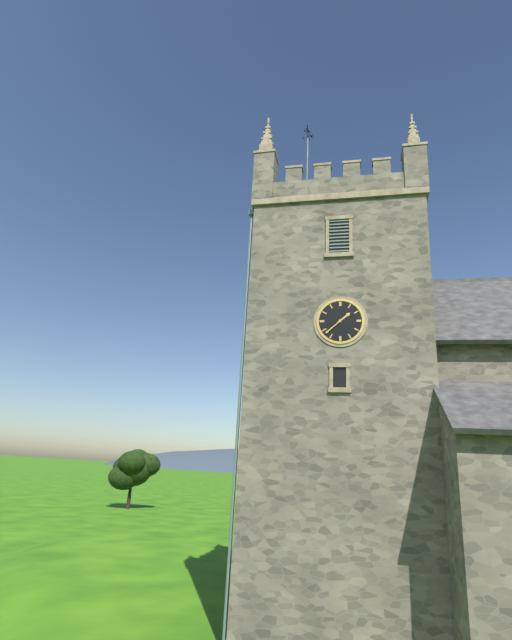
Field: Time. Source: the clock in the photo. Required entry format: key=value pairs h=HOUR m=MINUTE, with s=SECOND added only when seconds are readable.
h=1 m=38
